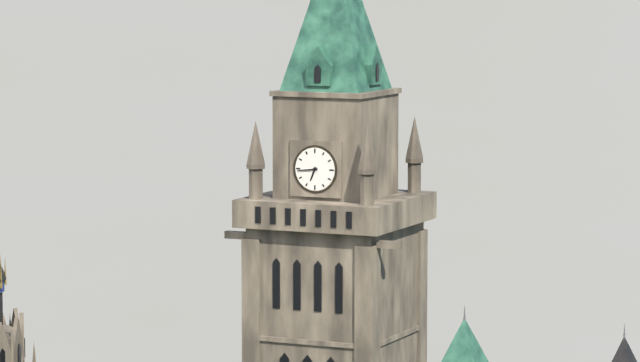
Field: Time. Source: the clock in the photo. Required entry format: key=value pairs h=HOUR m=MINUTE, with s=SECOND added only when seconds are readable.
h=6 m=44
